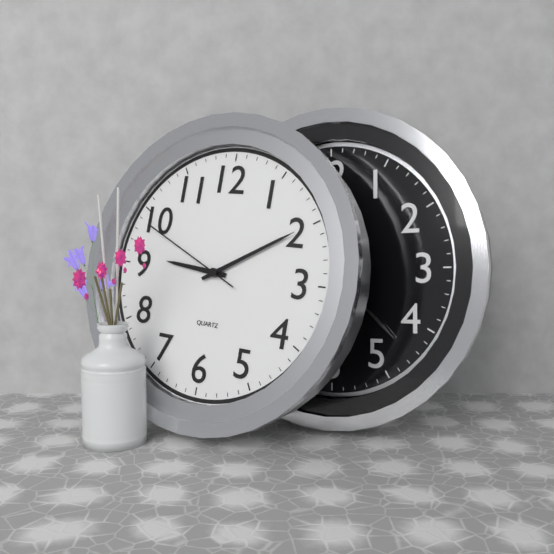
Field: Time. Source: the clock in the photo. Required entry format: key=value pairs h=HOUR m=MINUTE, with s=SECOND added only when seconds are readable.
h=9 m=10 s=49
